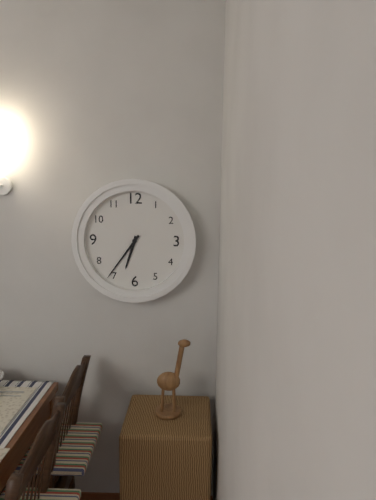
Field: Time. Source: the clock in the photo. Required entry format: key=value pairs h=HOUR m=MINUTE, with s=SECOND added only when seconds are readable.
h=6 m=36
